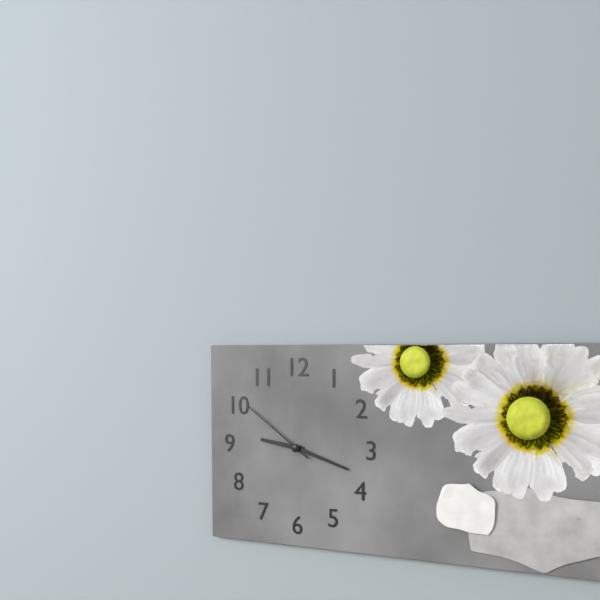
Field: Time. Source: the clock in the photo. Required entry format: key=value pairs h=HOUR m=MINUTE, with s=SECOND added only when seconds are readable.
h=9 m=18 s=51
